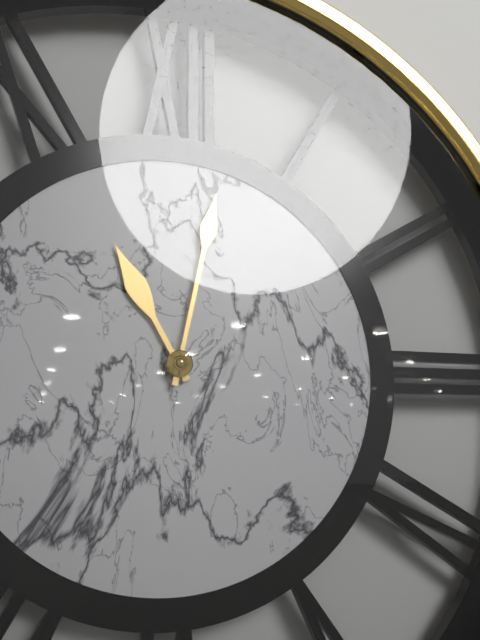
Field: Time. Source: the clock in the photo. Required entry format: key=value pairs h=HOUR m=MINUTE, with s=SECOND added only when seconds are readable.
h=11 m=2
